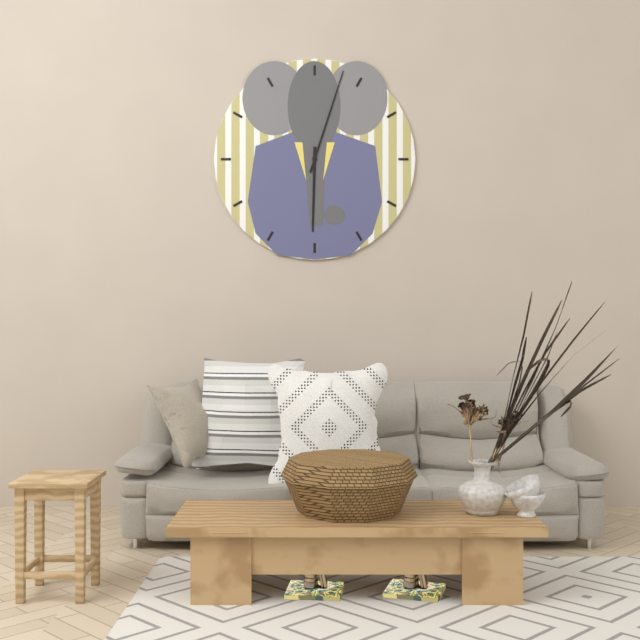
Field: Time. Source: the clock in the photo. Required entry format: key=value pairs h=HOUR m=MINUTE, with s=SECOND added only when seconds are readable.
h=6 m=3
